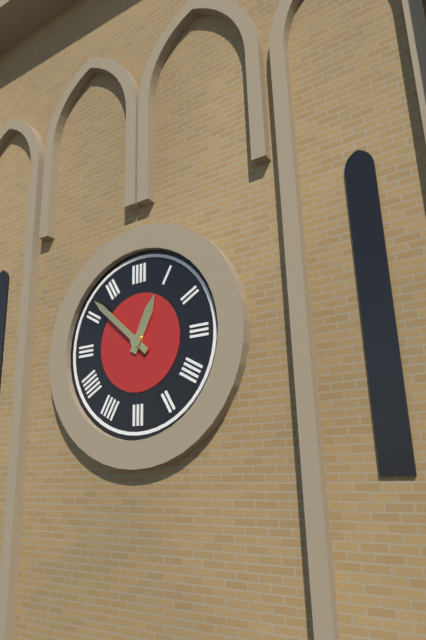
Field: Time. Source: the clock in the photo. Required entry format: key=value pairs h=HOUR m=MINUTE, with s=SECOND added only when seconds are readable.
h=12 m=52
